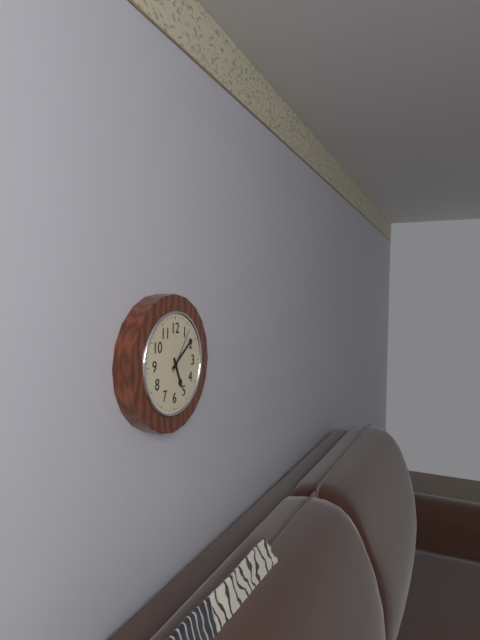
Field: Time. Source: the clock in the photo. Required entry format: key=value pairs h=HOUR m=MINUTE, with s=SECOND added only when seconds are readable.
h=5 m=9
